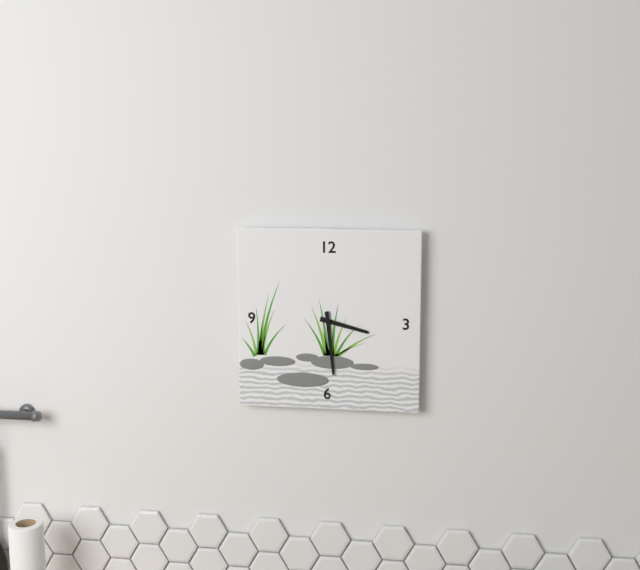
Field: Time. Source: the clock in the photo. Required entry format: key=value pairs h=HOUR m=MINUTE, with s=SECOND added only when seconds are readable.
h=3 m=29
